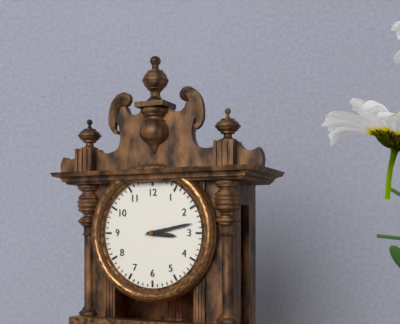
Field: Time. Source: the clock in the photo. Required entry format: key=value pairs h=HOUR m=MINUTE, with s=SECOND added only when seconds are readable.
h=3 m=13
